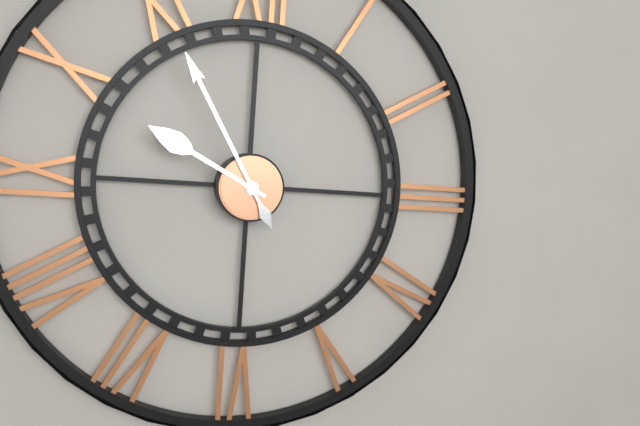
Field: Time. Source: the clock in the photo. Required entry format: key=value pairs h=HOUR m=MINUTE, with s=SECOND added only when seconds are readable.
h=9 m=55
